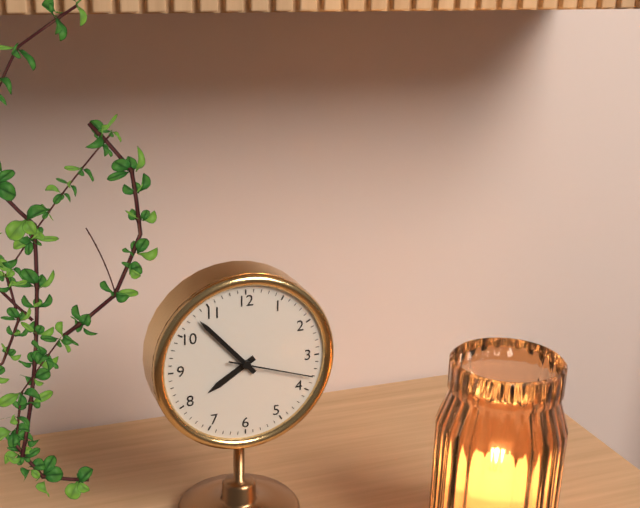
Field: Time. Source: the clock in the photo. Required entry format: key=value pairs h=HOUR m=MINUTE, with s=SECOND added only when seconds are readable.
h=7 m=53 s=18
